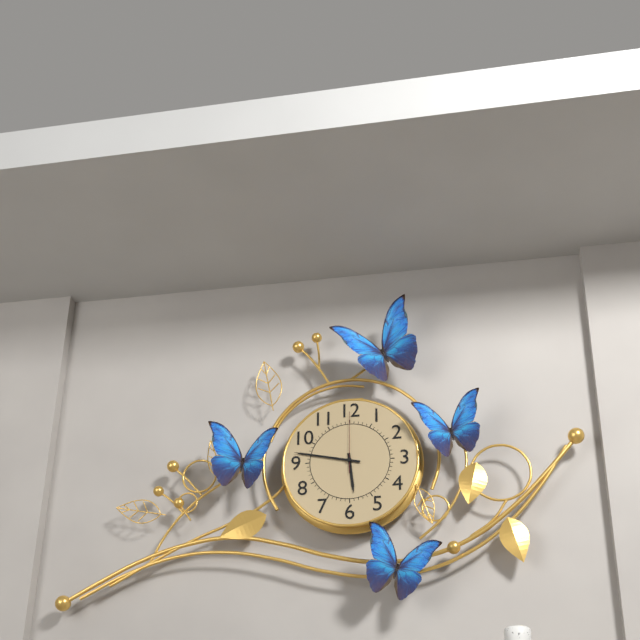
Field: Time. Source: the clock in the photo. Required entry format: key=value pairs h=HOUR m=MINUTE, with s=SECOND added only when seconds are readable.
h=5 m=47 s=0
